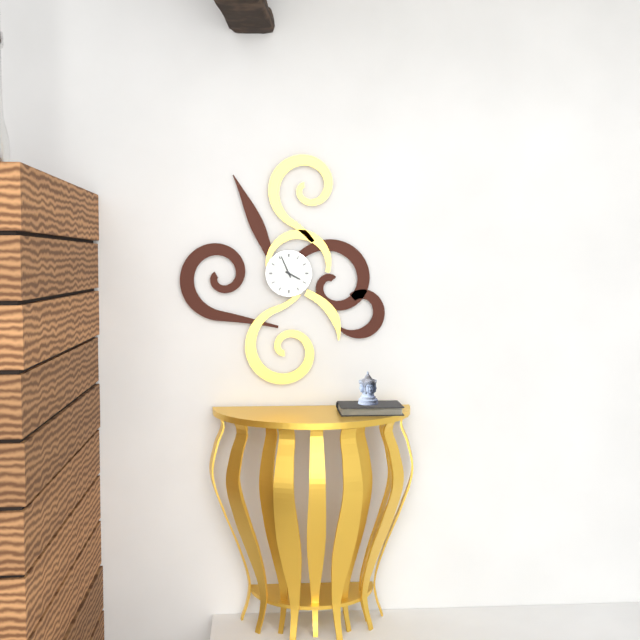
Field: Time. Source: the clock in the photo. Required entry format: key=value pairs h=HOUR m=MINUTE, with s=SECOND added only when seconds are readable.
h=3 m=56
